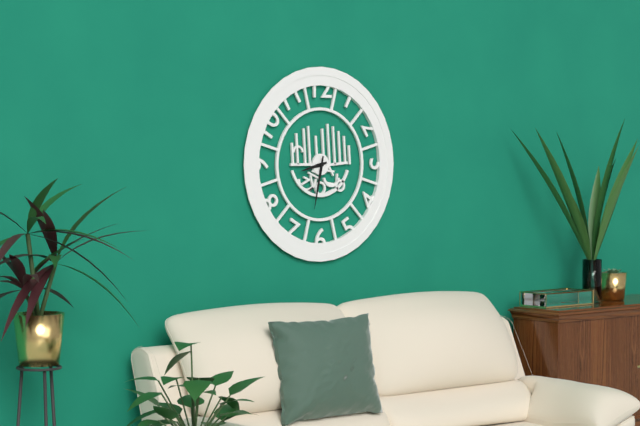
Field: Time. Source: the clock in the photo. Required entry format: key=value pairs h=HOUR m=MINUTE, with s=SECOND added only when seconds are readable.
h=8 m=32
